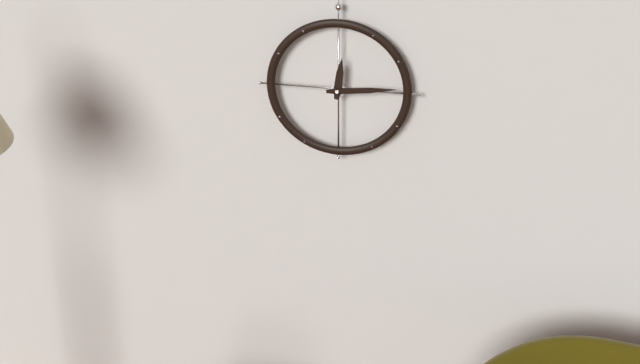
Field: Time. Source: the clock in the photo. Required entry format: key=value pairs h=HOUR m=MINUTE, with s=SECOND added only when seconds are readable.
h=12 m=14
